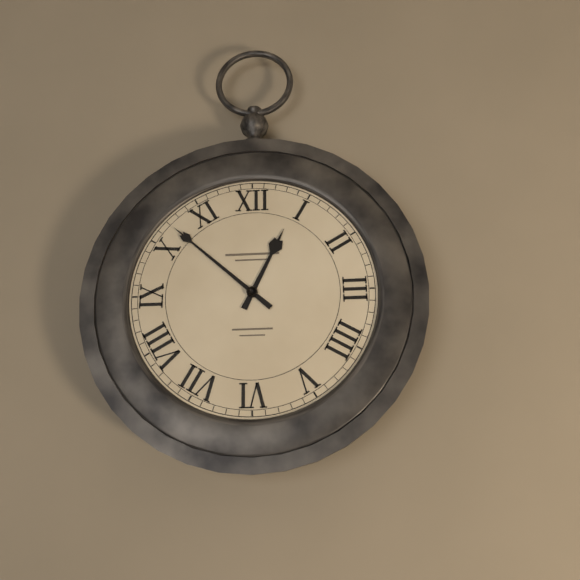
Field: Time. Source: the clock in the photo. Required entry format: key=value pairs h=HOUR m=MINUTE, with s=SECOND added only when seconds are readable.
h=12 m=52
